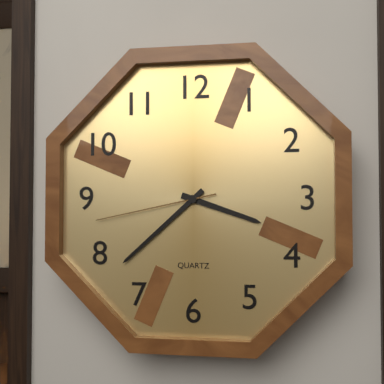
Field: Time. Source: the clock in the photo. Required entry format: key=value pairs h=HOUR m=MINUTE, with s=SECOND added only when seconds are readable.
h=3 m=38 s=43
